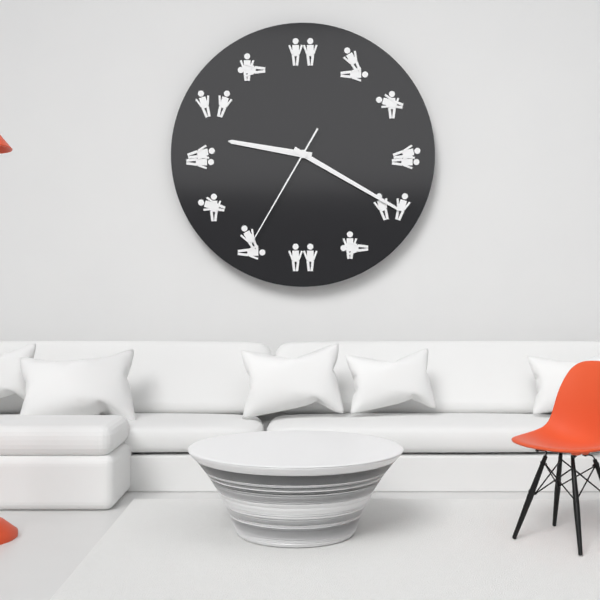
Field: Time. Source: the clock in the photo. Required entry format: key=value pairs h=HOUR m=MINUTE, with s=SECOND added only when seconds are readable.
h=9 m=20 s=35
